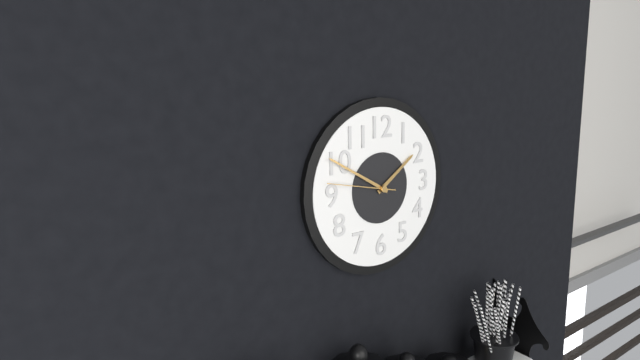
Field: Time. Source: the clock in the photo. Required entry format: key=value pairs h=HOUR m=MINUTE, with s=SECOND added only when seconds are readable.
h=1 m=50 s=47
